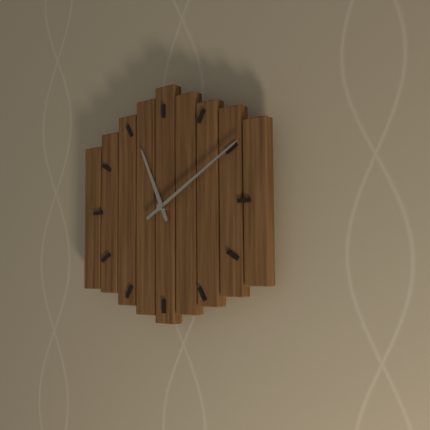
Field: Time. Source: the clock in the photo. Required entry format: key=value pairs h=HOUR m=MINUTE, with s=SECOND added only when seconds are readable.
h=11 m=10
